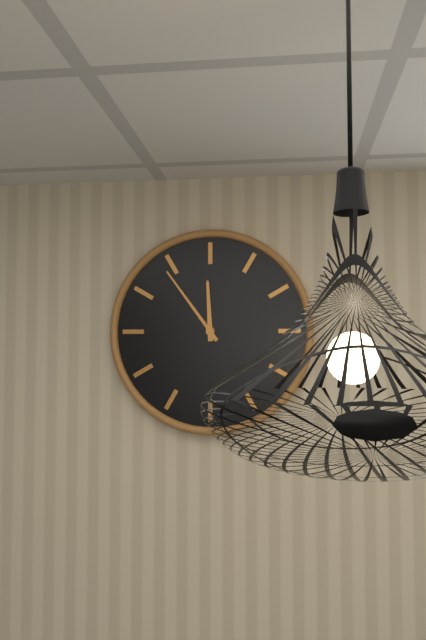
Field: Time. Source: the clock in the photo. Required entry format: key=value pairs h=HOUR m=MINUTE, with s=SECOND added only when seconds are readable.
h=11 m=54
